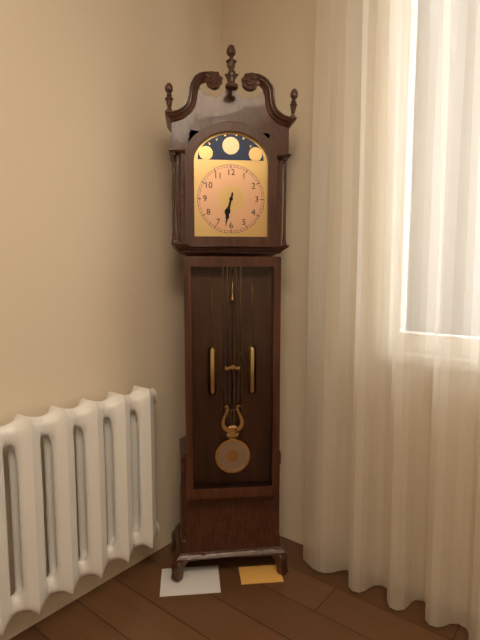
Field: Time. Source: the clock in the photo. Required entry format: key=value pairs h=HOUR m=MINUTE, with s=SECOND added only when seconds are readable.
h=6 m=32
